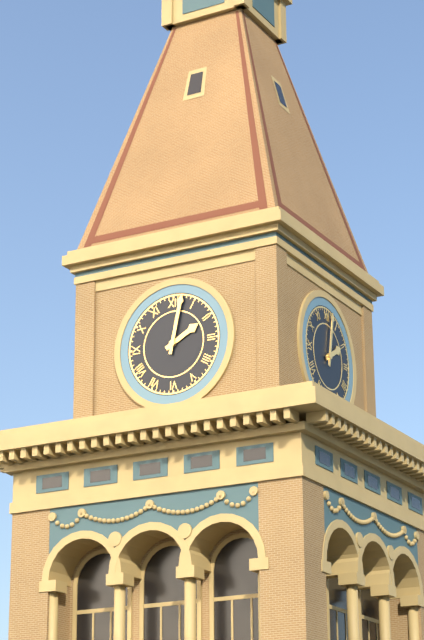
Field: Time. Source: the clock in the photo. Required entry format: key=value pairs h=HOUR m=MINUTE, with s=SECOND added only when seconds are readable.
h=2 m=2
